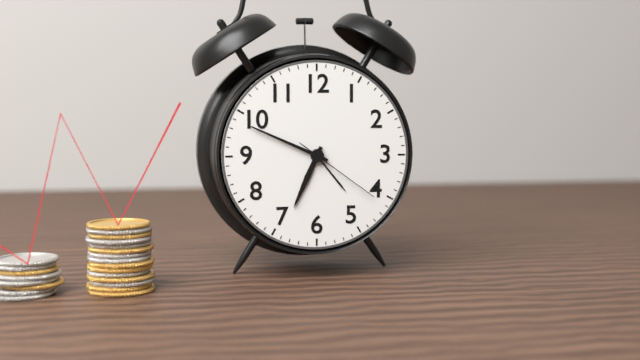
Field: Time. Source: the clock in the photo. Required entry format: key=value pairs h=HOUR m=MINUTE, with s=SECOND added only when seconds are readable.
h=6 m=49 s=21
